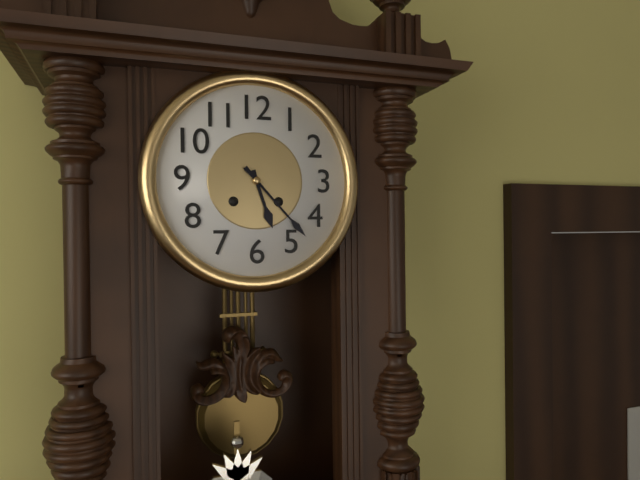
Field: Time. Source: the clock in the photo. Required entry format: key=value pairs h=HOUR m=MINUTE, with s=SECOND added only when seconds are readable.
h=5 m=23
